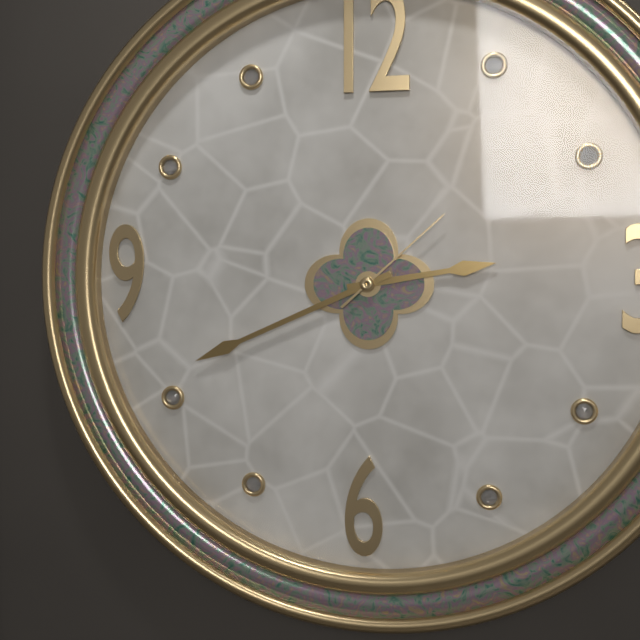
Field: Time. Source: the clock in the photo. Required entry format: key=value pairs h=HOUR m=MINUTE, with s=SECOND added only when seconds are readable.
h=2 m=41 s=8
